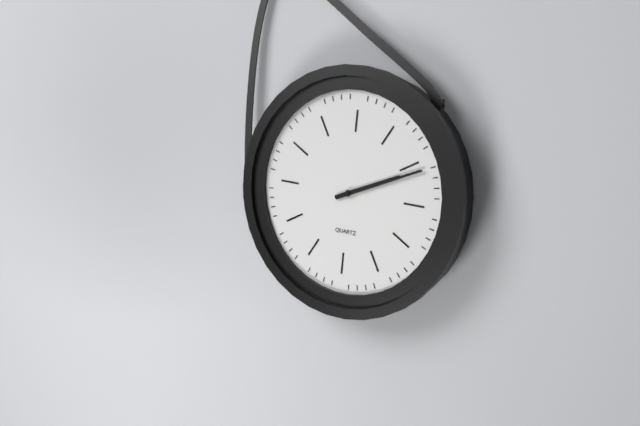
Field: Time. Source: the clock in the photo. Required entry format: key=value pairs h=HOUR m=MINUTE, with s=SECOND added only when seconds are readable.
h=2 m=11
